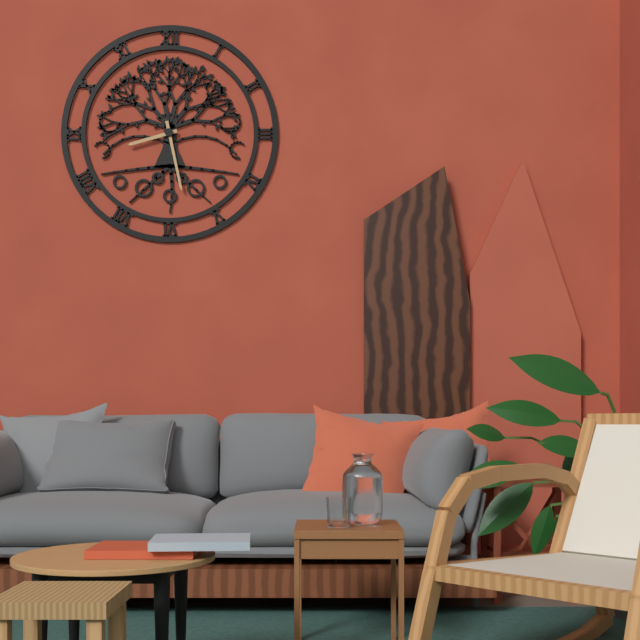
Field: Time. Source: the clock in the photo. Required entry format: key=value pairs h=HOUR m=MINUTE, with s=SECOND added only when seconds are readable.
h=8 m=28
